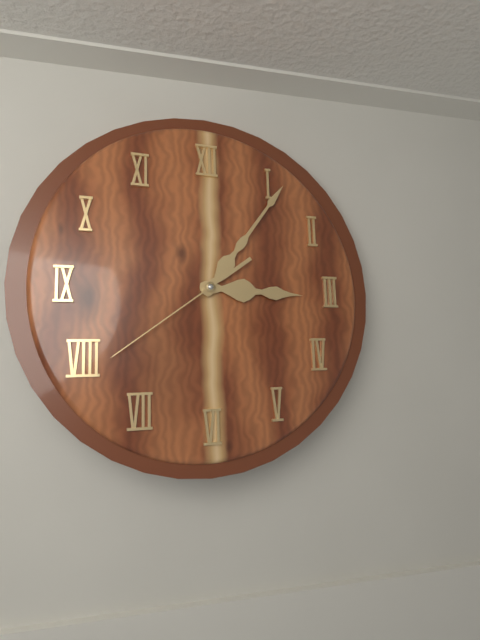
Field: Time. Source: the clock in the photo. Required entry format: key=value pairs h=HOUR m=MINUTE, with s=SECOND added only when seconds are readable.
h=3 m=6 s=39
